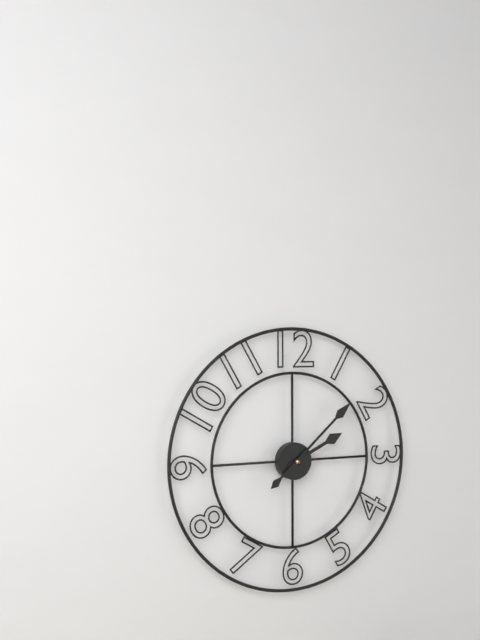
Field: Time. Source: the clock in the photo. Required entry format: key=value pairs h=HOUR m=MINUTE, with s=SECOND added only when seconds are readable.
h=2 m=8
